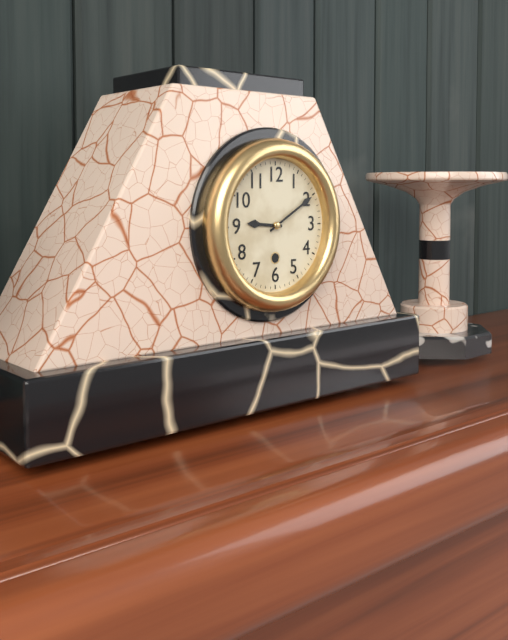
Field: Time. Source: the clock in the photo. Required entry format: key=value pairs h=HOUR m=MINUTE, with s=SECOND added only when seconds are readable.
h=9 m=10
